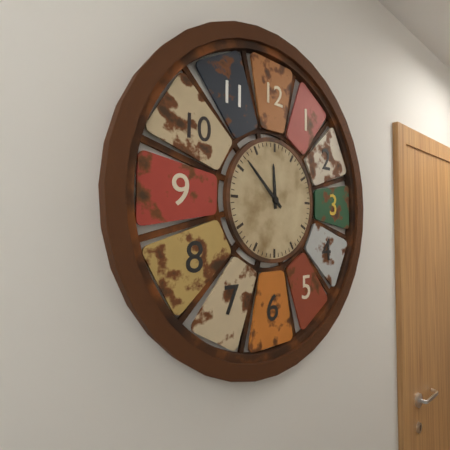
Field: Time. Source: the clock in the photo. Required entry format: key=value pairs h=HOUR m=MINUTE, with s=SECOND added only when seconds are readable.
h=11 m=52
